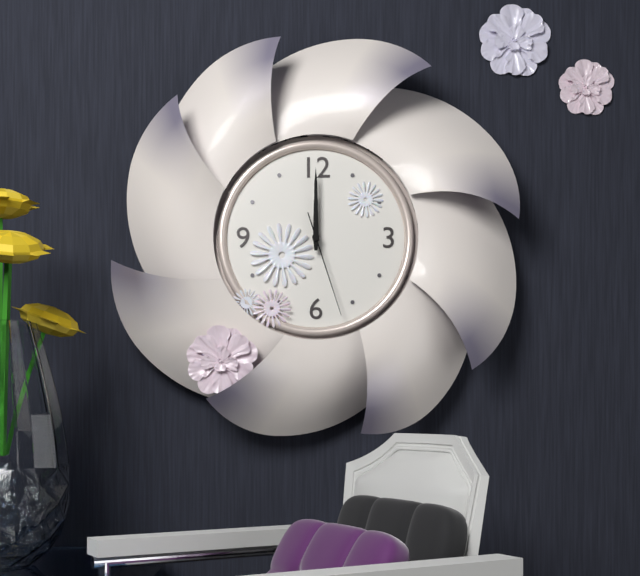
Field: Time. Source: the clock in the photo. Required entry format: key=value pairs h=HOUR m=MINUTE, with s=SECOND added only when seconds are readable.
h=12 m=0 s=27
